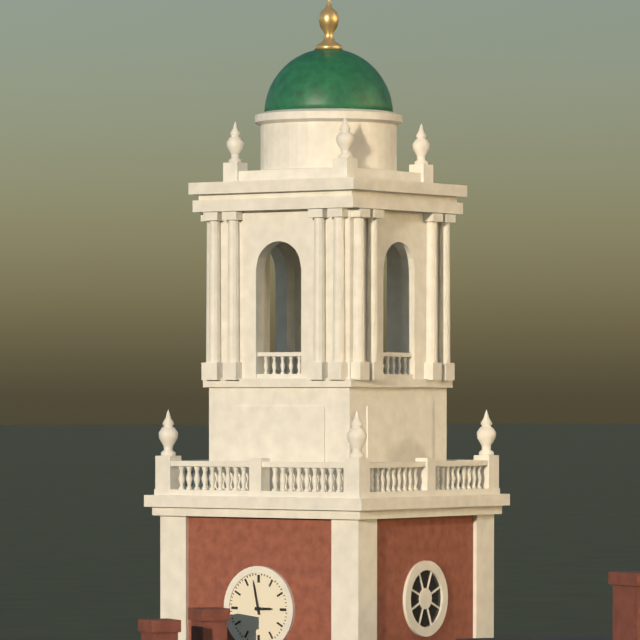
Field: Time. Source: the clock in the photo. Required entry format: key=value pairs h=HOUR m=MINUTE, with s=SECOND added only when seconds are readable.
h=2 m=58
